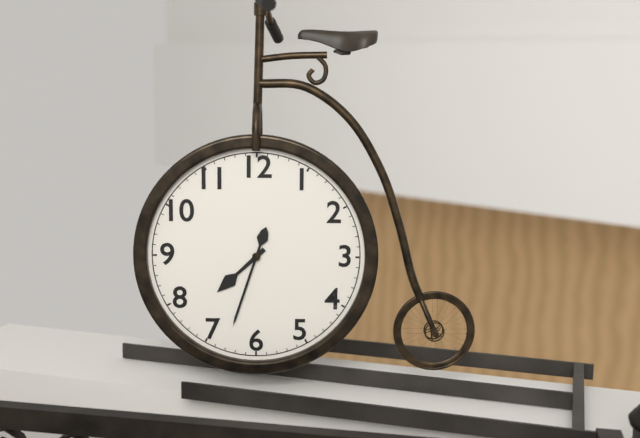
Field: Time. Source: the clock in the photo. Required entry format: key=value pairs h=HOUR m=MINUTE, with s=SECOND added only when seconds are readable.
h=7 m=33
